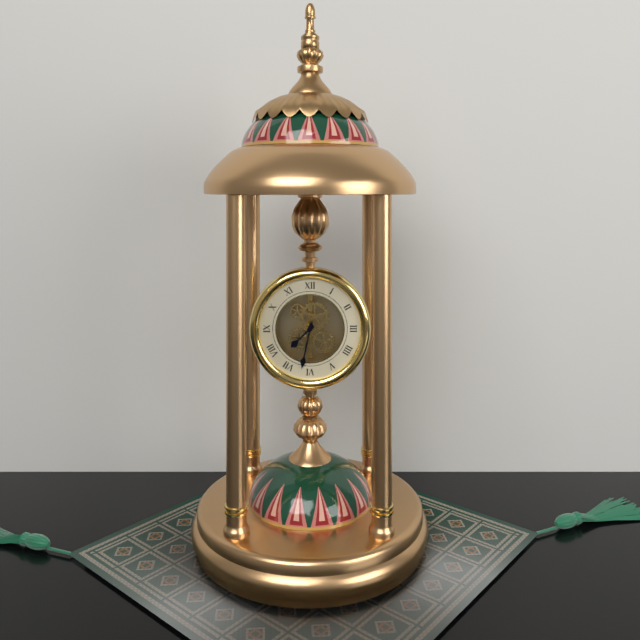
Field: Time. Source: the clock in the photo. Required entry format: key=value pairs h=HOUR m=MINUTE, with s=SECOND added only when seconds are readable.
h=7 m=32
